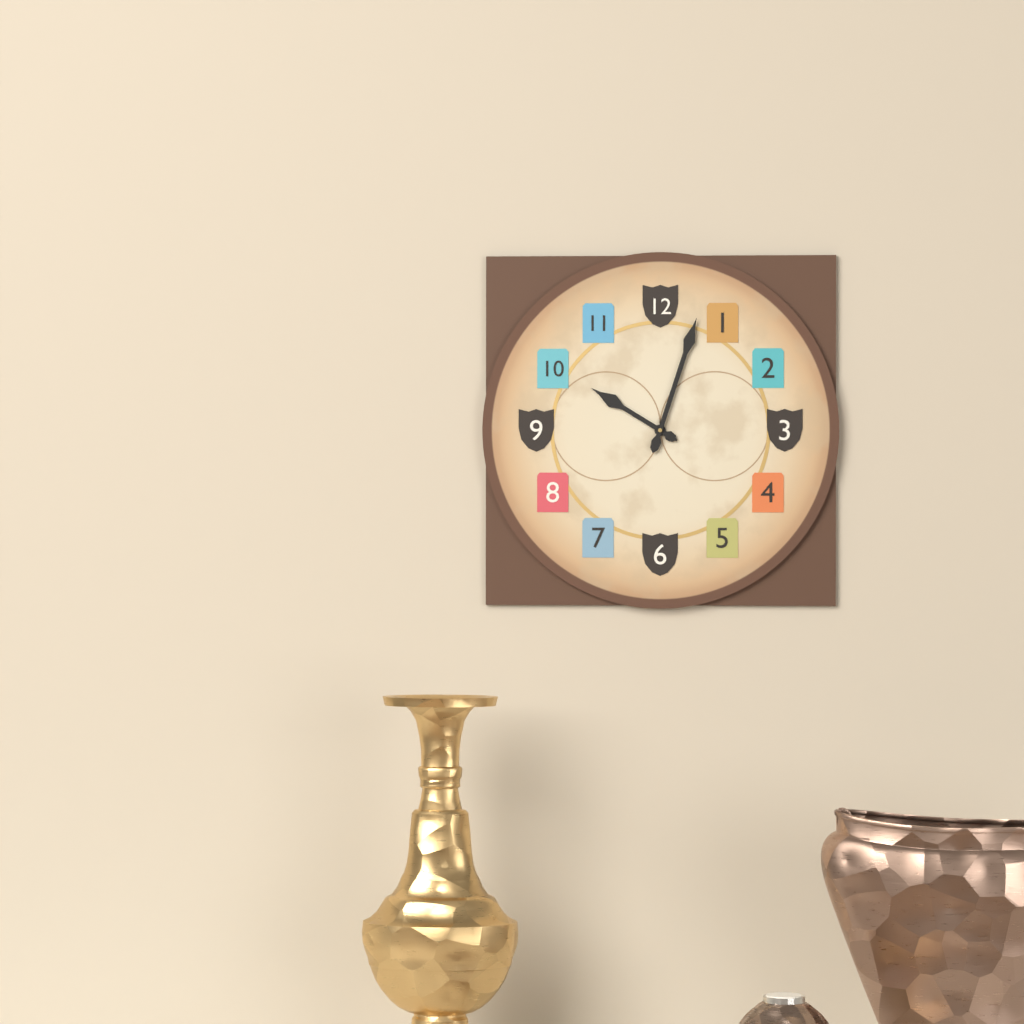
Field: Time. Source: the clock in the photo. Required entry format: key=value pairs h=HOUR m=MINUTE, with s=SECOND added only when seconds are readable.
h=10 m=3
